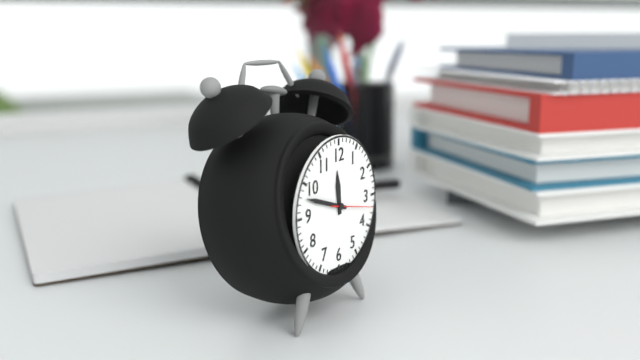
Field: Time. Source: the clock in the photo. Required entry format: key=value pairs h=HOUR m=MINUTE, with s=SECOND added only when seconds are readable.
h=11 m=48
